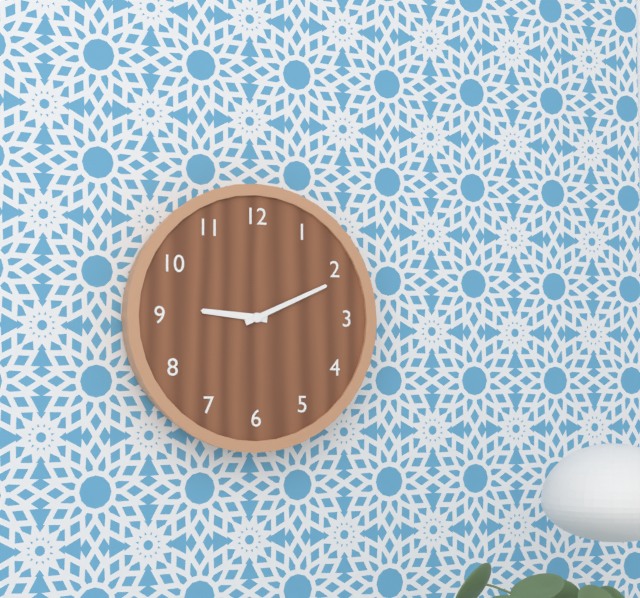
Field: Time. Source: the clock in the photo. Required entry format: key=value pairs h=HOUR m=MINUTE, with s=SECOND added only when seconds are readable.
h=9 m=11
